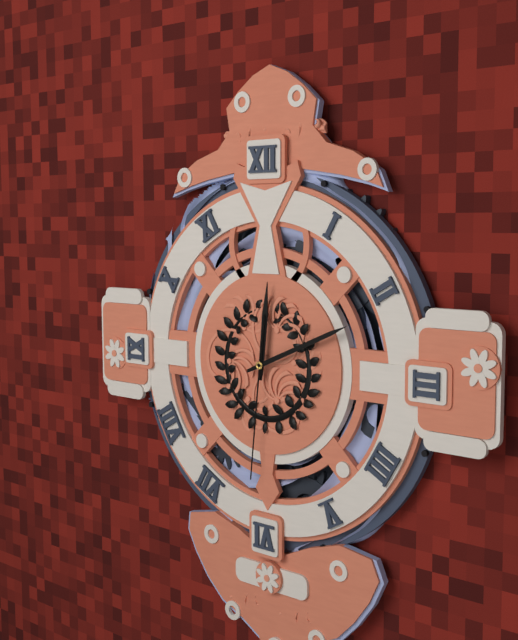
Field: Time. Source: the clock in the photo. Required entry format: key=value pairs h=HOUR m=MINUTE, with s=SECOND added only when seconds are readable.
h=12 m=11 s=31
